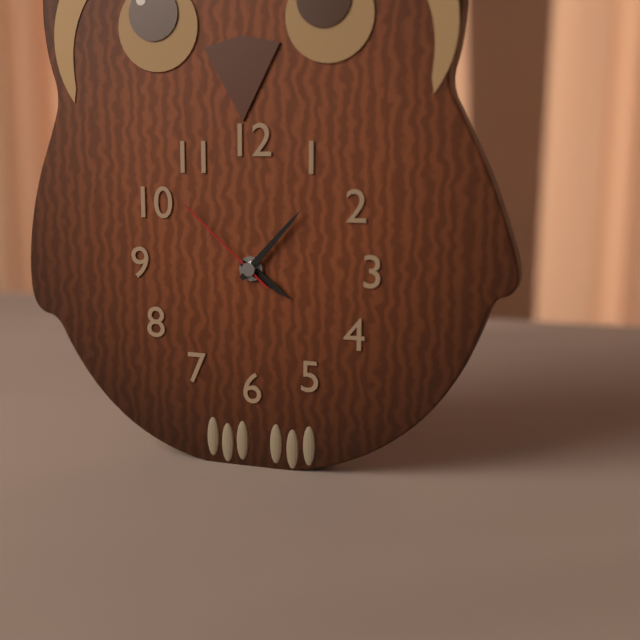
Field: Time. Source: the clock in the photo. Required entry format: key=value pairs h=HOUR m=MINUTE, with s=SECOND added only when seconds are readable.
h=4 m=7 s=52
